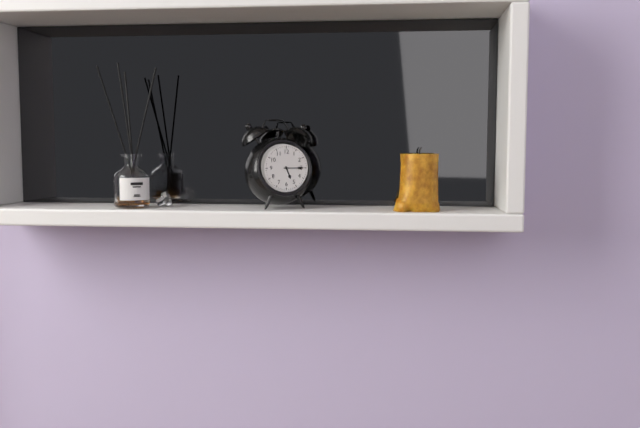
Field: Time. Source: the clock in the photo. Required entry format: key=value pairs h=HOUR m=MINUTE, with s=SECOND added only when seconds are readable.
h=5 m=15
